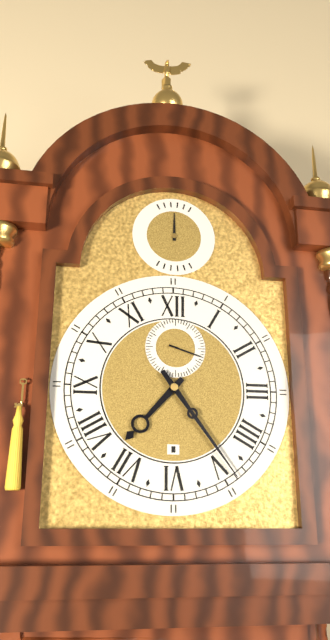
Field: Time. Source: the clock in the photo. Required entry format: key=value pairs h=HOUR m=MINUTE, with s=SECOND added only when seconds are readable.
h=7 m=24
